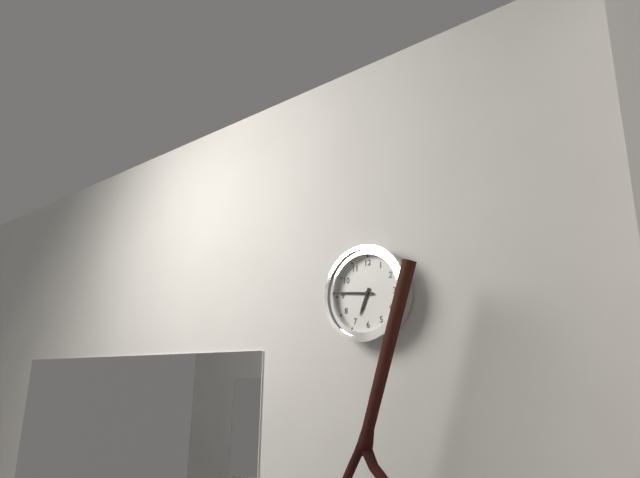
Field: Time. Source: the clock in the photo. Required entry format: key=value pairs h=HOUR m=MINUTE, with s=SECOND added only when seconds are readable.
h=6 m=46
